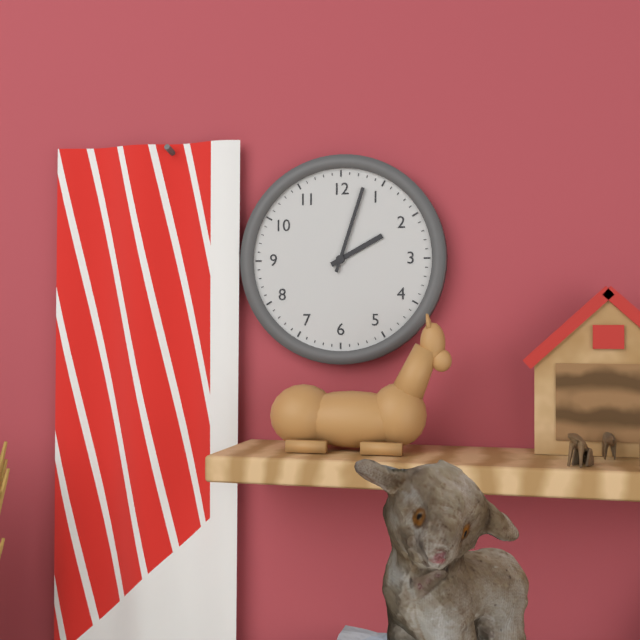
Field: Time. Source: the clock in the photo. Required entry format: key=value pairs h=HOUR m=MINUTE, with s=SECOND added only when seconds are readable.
h=2 m=3
